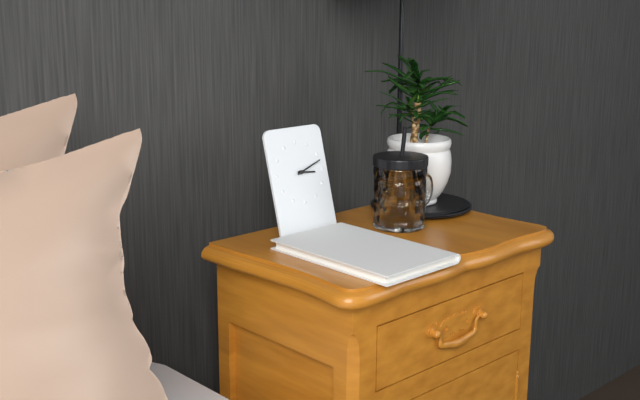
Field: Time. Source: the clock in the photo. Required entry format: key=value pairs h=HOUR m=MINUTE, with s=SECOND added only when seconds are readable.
h=3 m=12
